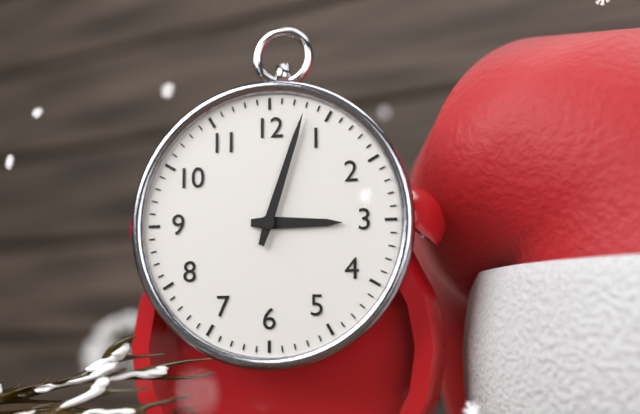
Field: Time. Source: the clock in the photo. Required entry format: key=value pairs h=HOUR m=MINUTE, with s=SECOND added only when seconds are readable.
h=3 m=3
